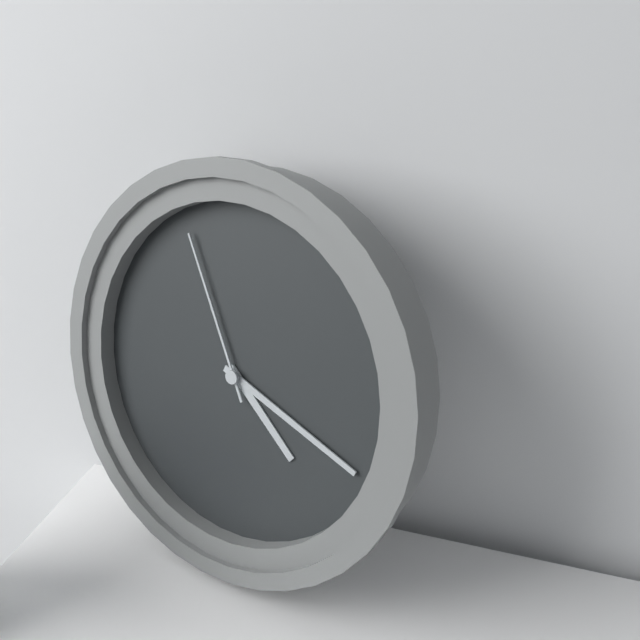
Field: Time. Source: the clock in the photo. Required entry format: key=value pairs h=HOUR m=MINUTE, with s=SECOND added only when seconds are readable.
h=4 m=18 s=55
